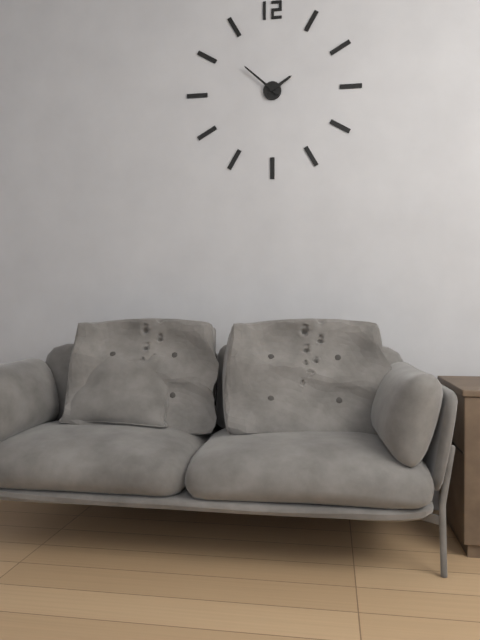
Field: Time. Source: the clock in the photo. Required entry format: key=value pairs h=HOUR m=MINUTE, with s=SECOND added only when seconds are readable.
h=1 m=52
